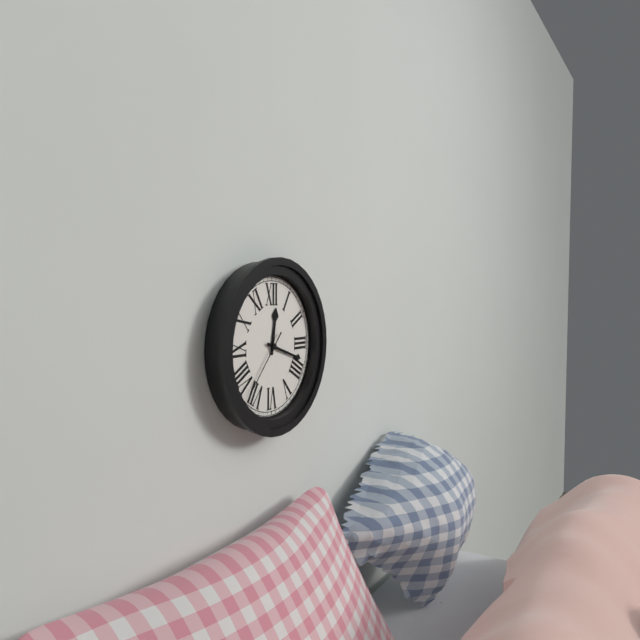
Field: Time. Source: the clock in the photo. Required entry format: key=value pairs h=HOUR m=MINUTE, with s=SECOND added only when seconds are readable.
h=12 m=18 s=37
